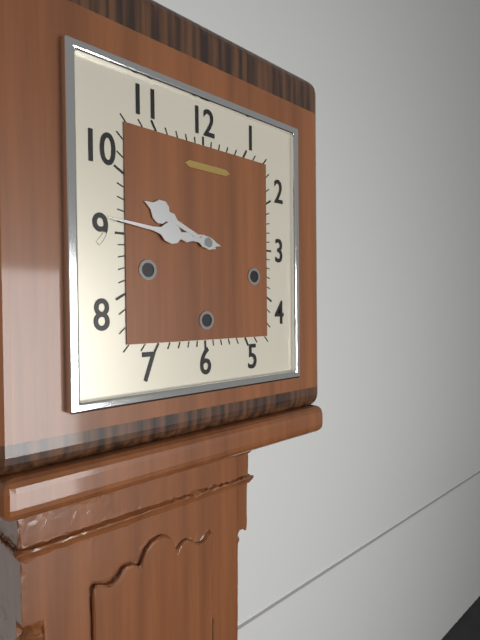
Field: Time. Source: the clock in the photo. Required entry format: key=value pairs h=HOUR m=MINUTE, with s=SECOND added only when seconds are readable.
h=9 m=46
